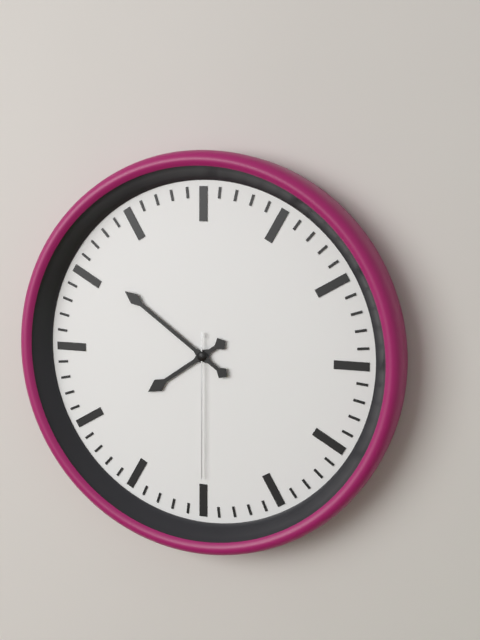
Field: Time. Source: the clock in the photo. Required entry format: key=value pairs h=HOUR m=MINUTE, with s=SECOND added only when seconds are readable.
h=7 m=51 s=30
